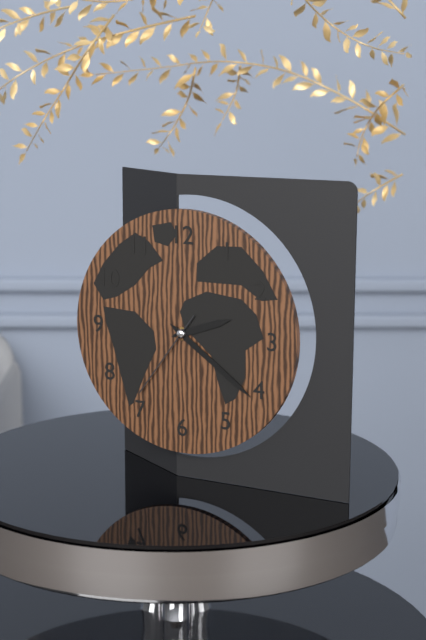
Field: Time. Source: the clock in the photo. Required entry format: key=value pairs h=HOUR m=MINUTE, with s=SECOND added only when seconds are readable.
h=2 m=21 s=36
